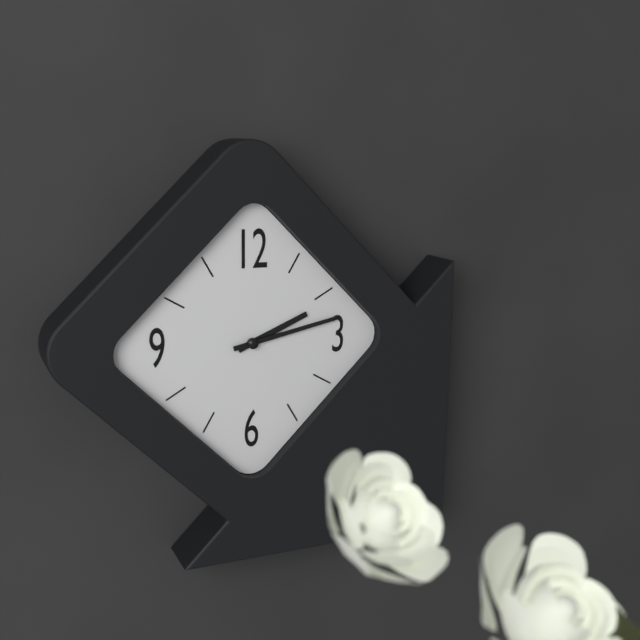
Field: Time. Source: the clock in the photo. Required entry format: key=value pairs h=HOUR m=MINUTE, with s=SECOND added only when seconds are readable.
h=2 m=13
